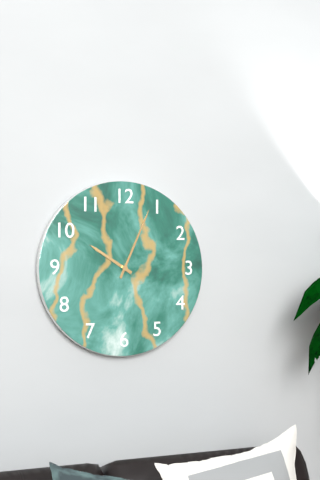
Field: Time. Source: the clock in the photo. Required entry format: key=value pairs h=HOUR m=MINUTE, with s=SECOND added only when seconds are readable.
h=10 m=4
